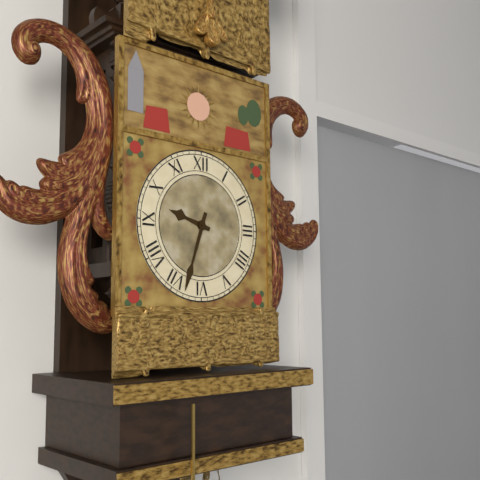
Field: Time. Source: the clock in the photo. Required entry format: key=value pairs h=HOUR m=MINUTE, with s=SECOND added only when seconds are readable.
h=9 m=33
